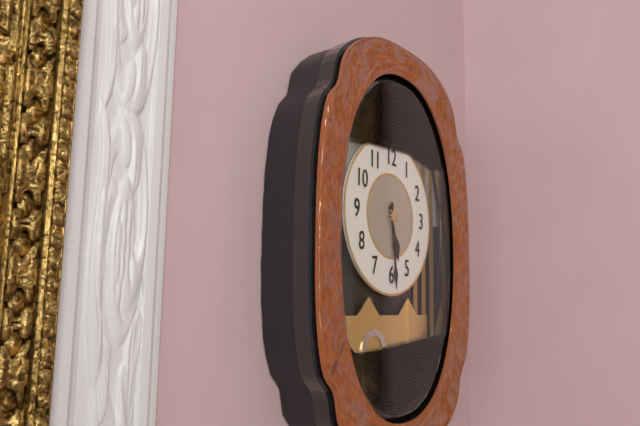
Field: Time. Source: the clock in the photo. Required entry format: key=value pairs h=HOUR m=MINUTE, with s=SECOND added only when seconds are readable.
h=5 m=29
